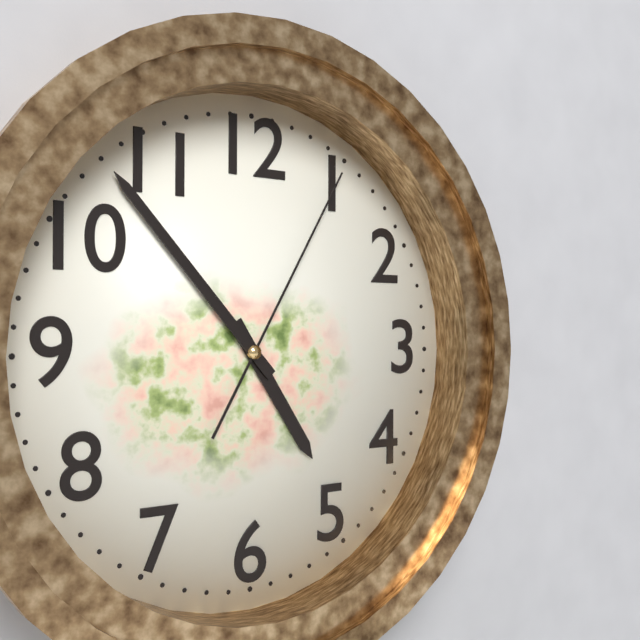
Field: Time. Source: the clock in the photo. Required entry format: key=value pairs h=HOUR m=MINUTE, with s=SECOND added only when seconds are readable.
h=4 m=53 s=5
